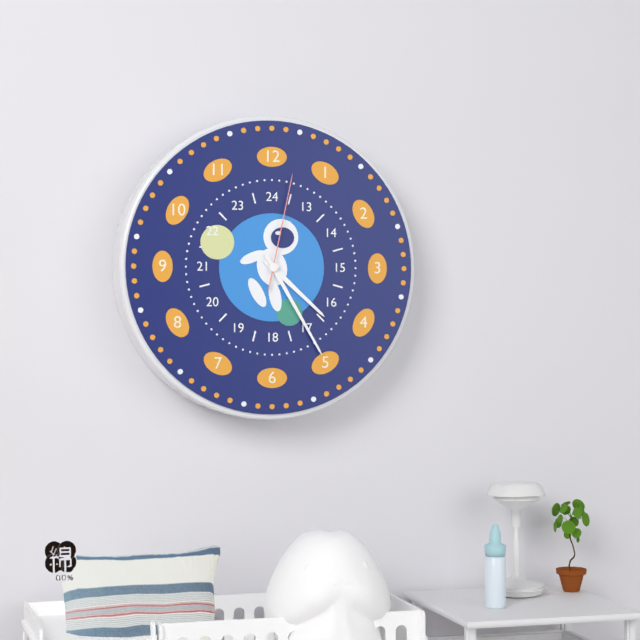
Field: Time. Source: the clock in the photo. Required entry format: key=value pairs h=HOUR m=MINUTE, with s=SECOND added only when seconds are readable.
h=4 m=25 s=2
